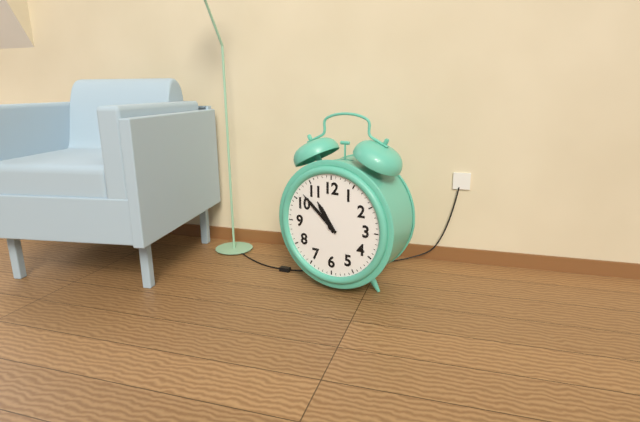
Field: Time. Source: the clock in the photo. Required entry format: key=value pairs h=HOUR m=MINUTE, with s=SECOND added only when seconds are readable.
h=10 m=52
